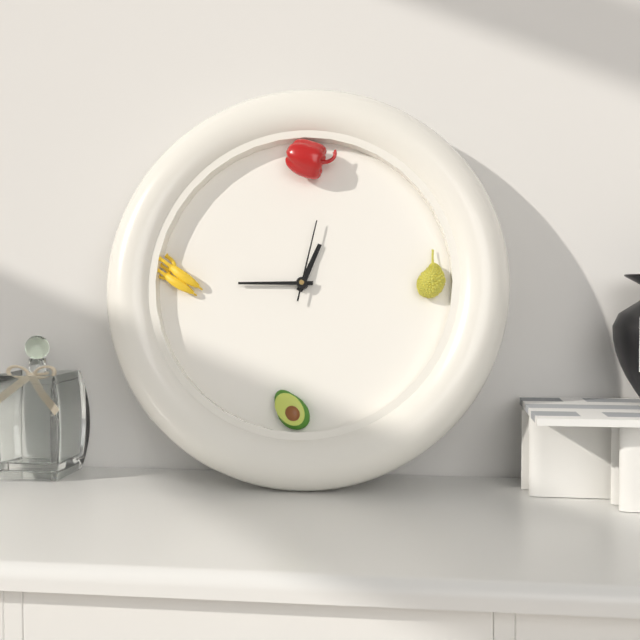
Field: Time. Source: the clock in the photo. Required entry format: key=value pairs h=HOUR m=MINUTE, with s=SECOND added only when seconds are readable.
h=12 m=45 s=2
